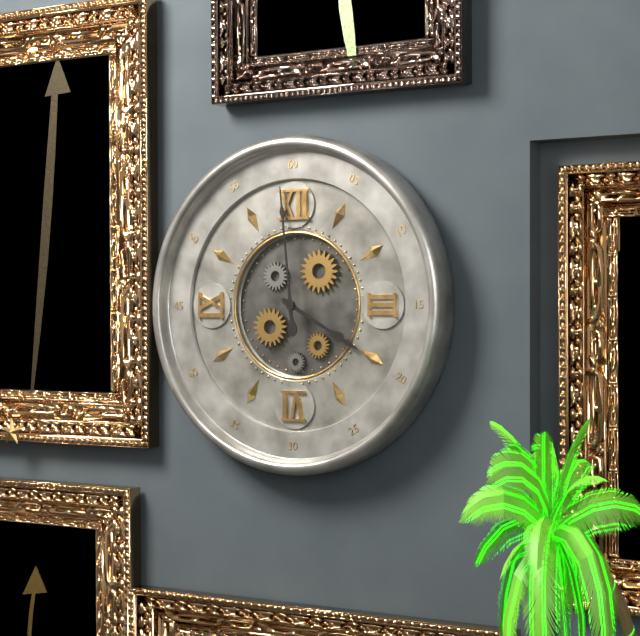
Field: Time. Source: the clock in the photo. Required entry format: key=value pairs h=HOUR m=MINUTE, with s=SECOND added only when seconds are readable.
h=3 m=59
